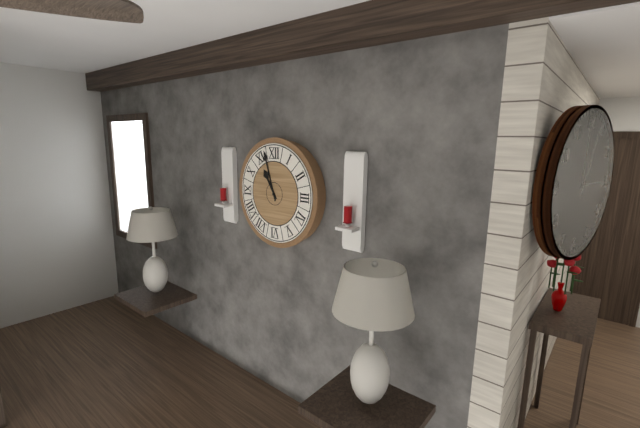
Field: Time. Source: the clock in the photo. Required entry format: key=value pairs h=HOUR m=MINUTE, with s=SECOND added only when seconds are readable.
h=10 m=57
